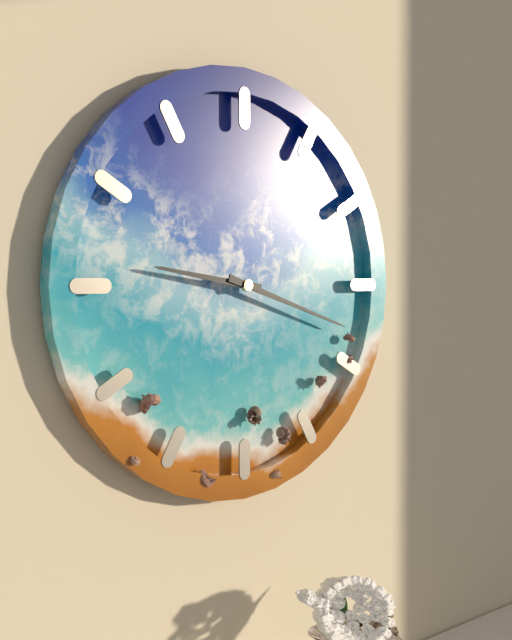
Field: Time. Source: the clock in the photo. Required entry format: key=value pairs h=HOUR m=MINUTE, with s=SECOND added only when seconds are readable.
h=9 m=18
